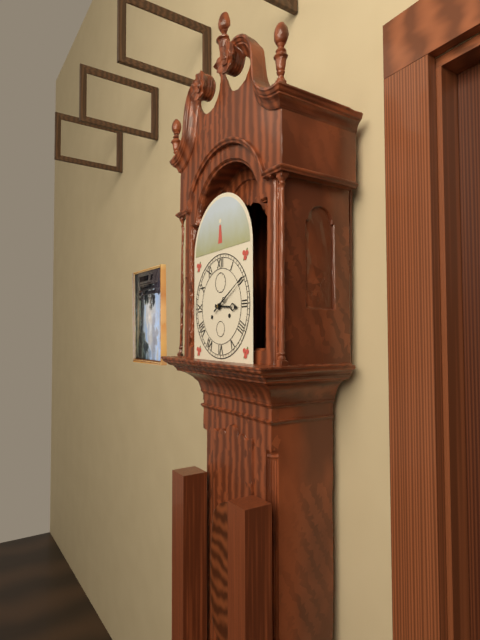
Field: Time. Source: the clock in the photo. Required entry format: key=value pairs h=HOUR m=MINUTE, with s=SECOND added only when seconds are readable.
h=3 m=10
